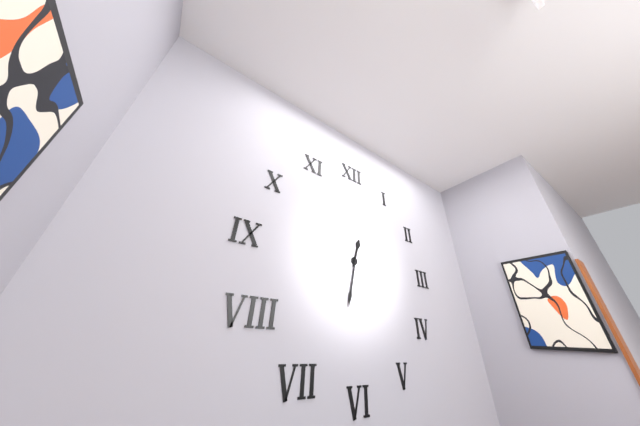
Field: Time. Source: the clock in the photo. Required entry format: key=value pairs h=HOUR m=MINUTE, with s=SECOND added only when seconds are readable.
h=12 m=32
